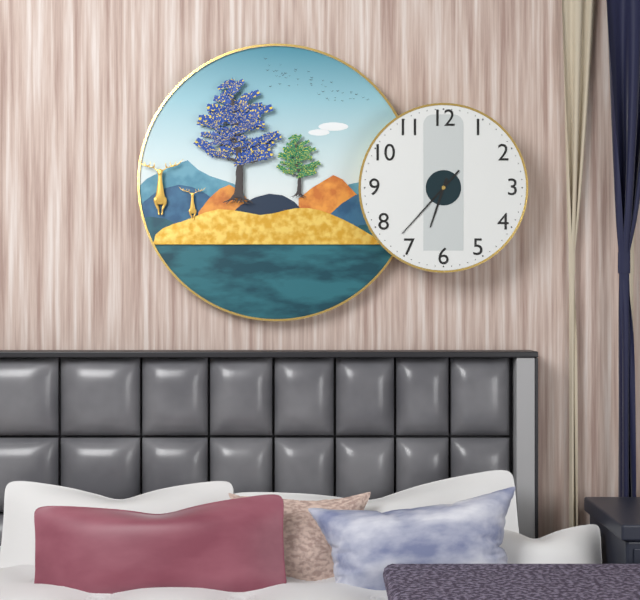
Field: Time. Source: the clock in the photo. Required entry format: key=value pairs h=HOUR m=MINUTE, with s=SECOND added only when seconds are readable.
h=6 m=37
